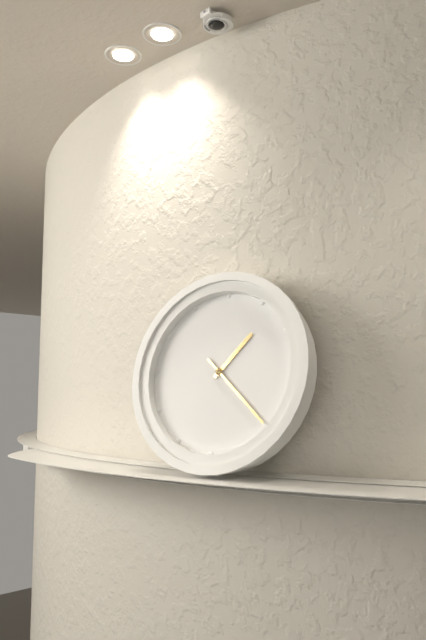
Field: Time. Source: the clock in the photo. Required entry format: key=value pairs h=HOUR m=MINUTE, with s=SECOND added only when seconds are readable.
h=1 m=22
